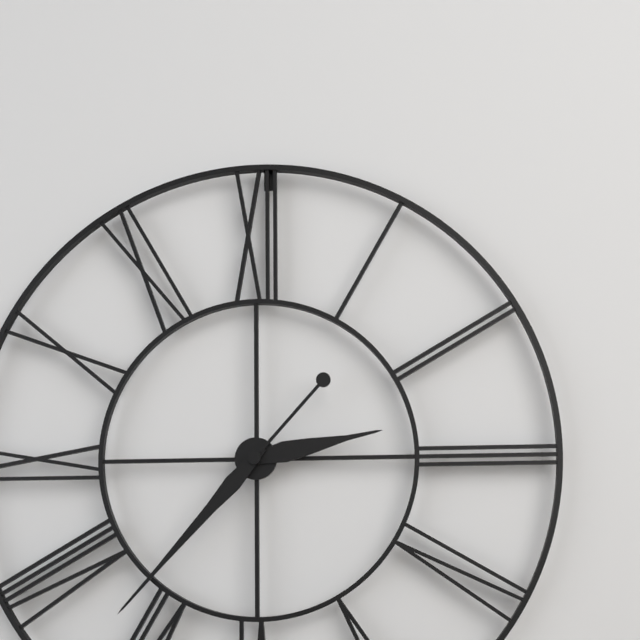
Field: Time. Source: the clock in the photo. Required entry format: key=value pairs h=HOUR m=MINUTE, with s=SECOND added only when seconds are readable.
h=2 m=37
